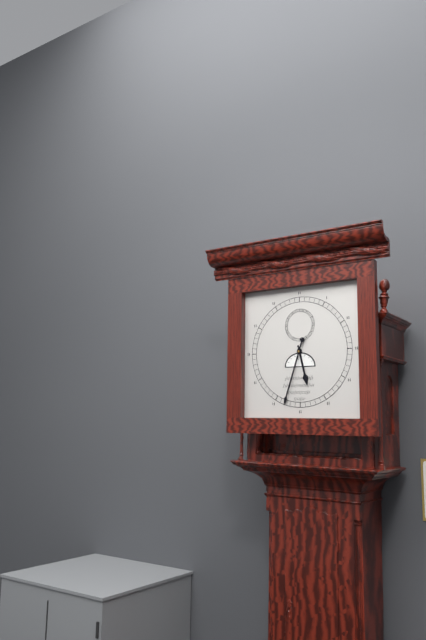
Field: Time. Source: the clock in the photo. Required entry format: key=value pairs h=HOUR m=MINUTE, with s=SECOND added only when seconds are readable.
h=5 m=33
